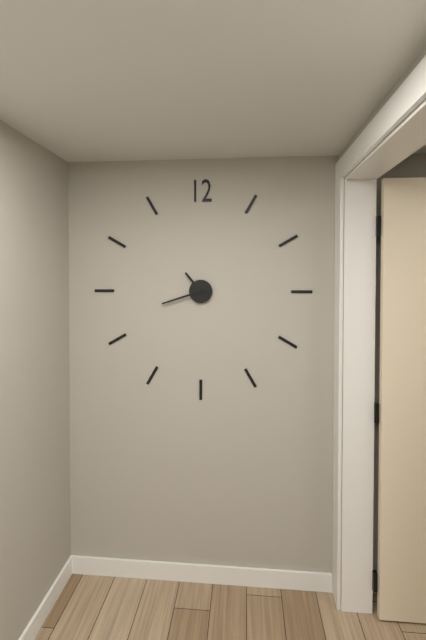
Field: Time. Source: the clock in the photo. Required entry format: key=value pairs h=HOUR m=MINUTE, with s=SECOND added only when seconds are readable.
h=10 m=42
